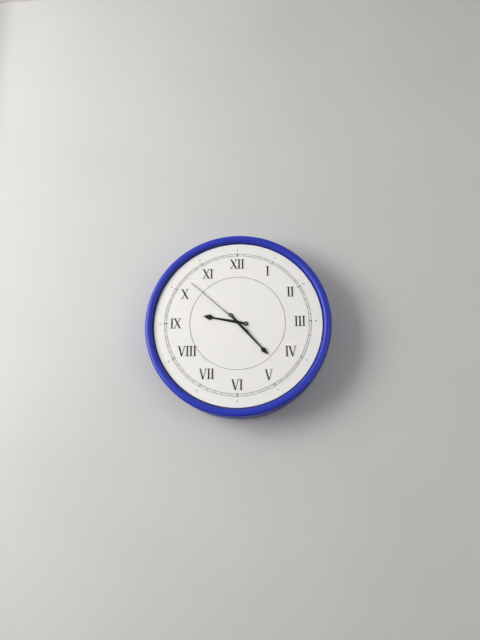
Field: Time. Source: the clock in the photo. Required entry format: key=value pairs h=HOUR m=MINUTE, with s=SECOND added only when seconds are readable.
h=9 m=23 s=52
